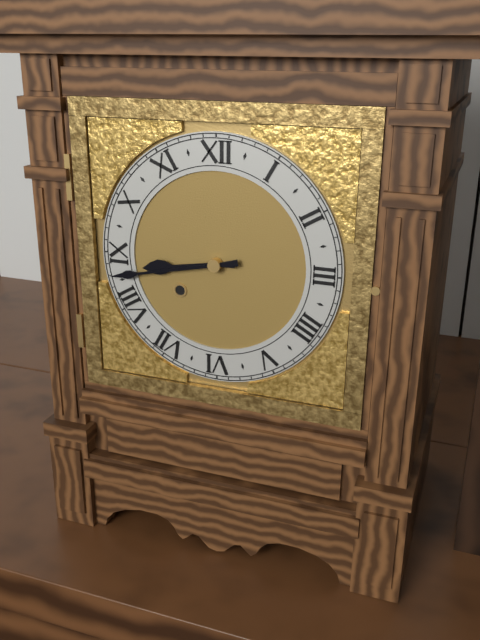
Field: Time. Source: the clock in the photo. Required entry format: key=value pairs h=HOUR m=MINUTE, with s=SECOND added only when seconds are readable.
h=8 m=43
